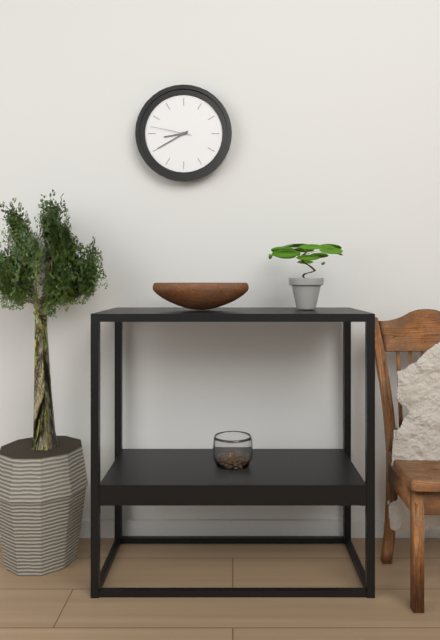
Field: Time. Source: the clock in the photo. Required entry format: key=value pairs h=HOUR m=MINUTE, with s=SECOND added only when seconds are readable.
h=8 m=40
